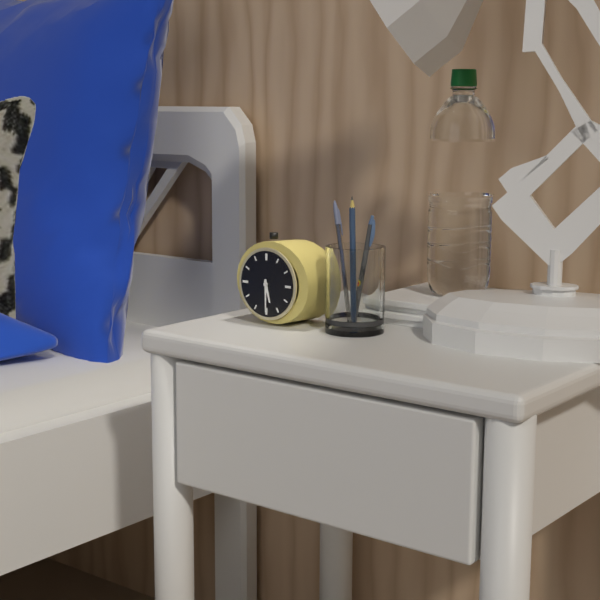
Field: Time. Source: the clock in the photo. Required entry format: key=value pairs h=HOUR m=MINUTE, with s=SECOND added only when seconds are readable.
h=5 m=30
